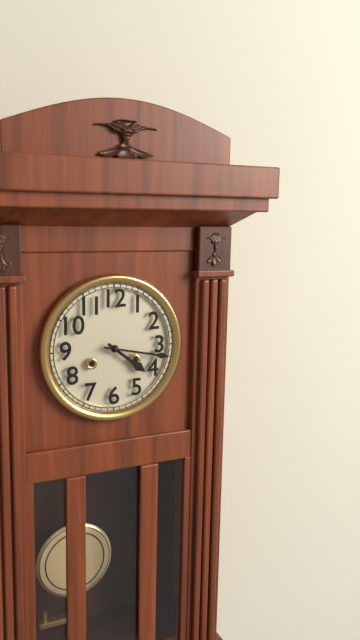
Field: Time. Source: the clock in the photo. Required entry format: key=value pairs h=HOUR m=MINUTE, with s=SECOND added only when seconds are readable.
h=4 m=17
